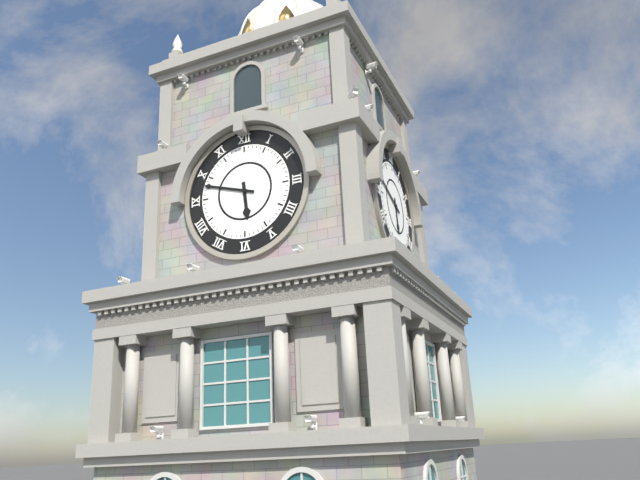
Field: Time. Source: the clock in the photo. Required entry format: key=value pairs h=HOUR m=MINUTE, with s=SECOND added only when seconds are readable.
h=5 m=48
